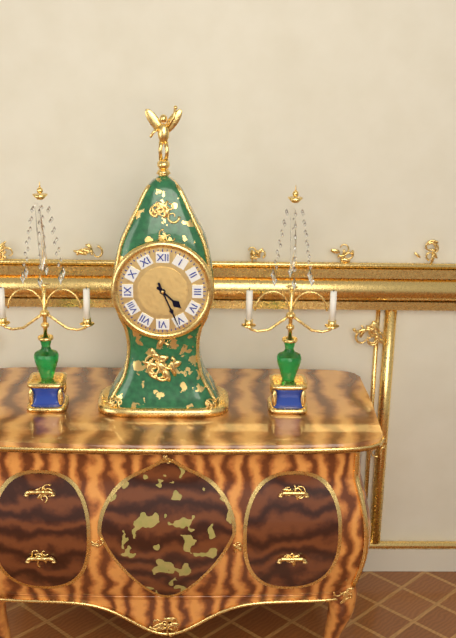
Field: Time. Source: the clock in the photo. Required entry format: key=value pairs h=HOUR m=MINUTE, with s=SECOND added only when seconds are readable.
h=4 m=26
